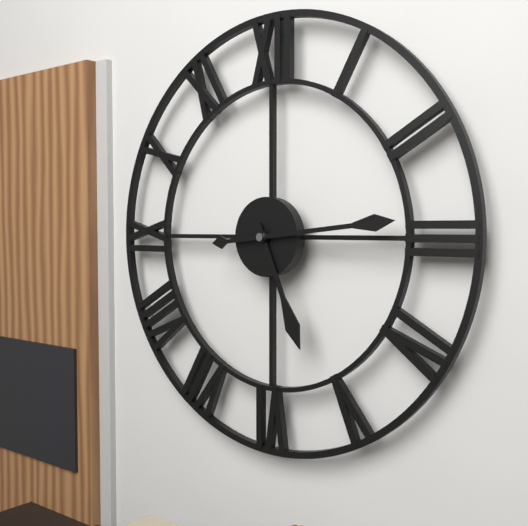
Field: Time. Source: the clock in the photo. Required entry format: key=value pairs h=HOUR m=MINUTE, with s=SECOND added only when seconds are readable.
h=5 m=14
